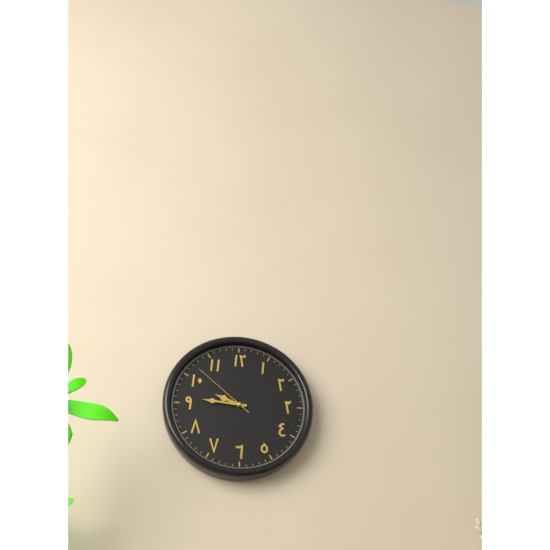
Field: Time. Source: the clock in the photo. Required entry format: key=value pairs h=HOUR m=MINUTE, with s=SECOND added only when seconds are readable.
h=9 m=46 s=52
